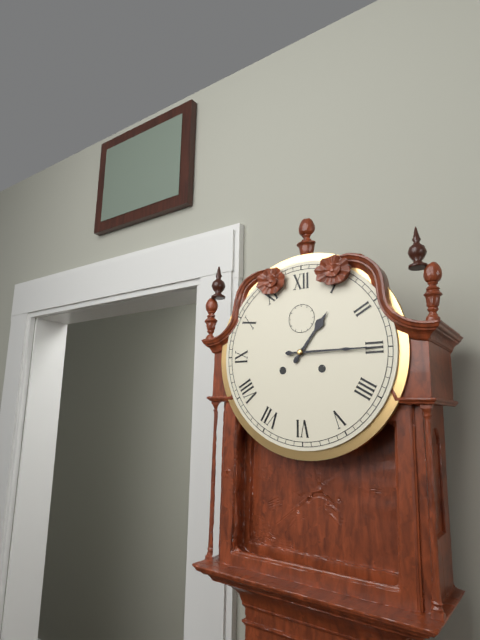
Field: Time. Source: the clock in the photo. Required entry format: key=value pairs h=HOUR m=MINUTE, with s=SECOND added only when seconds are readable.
h=1 m=15
